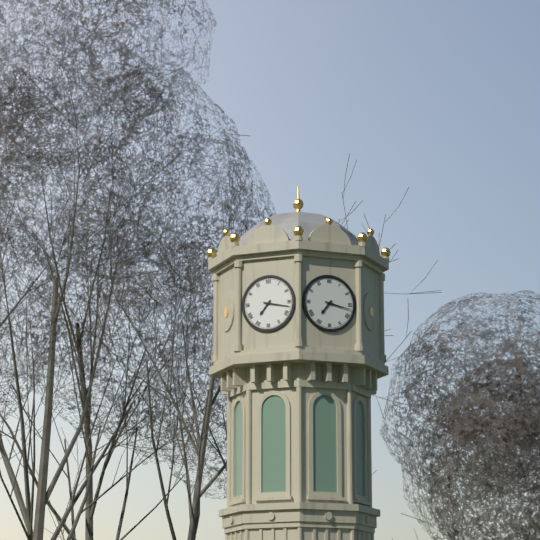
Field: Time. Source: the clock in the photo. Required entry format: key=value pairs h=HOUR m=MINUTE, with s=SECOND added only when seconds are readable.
h=7 m=17
